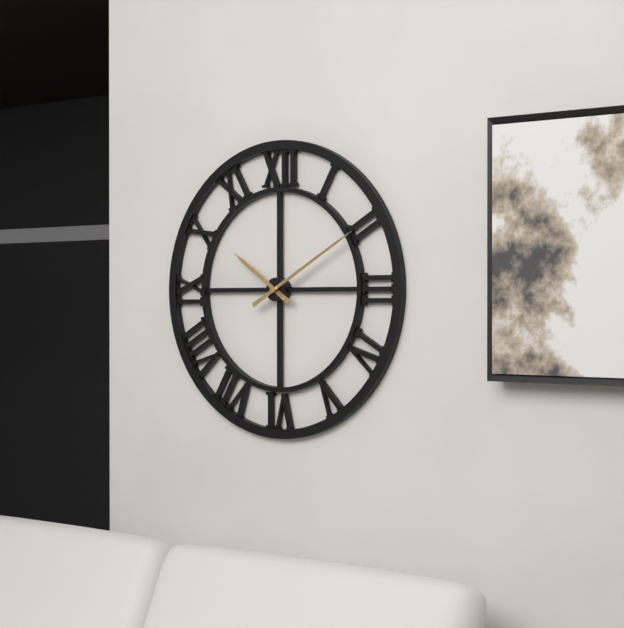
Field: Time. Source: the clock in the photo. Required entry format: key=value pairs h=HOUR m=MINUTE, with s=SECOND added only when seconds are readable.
h=10 m=10
